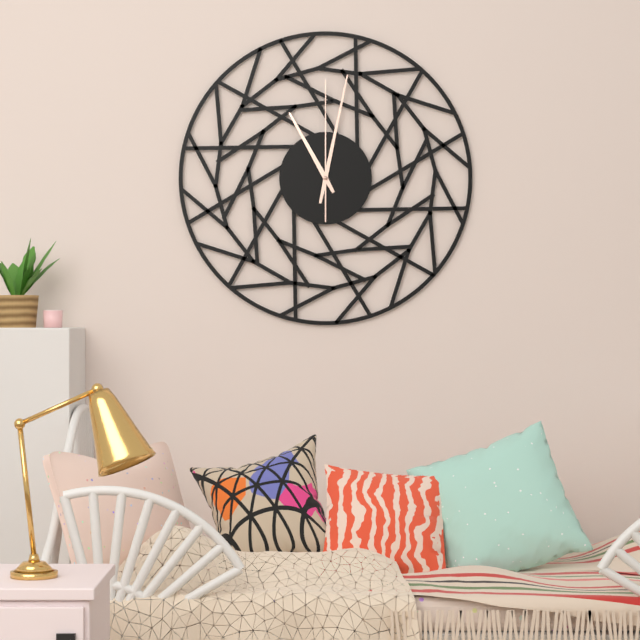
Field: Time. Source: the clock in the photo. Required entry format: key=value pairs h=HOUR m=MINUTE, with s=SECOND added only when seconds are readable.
h=11 m=2 s=0
